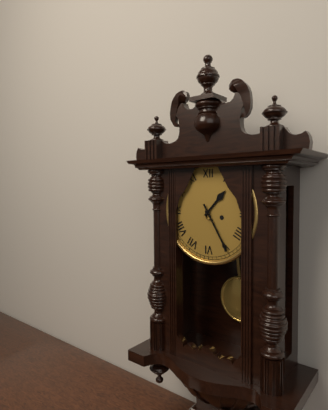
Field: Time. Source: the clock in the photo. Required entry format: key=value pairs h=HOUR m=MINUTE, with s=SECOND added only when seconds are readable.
h=1 m=25
